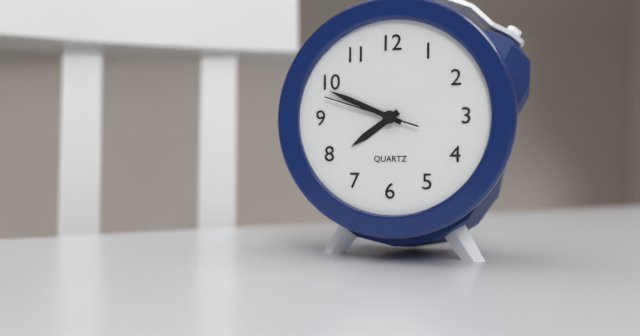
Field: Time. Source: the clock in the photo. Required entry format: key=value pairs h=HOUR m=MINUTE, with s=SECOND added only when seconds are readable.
h=7 m=49 s=48
